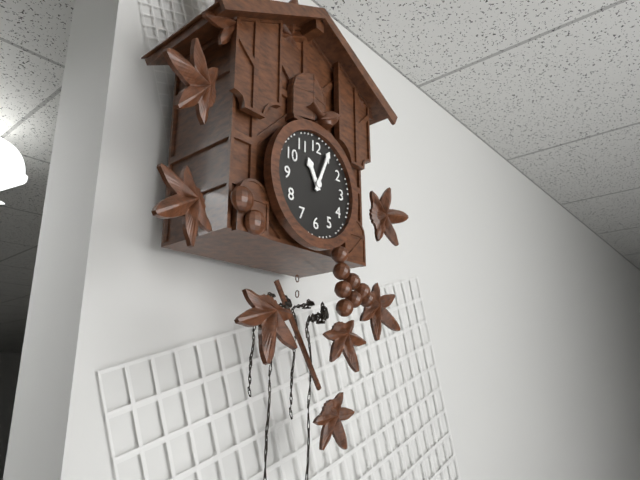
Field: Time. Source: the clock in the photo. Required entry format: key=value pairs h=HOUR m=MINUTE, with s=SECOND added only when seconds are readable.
h=11 m=4
